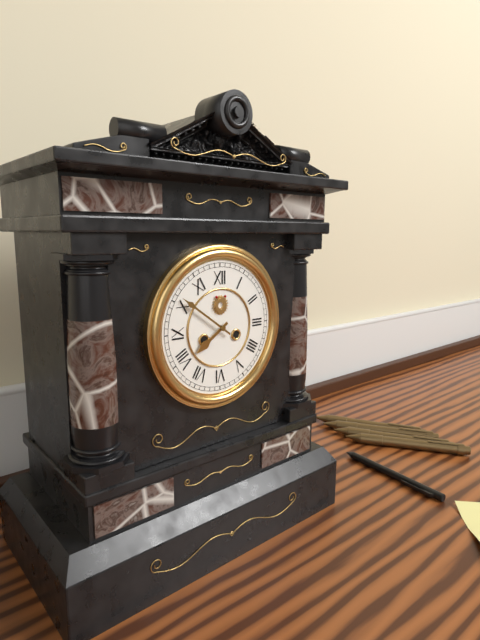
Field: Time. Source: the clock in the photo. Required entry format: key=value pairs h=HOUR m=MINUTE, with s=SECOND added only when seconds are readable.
h=7 m=51
